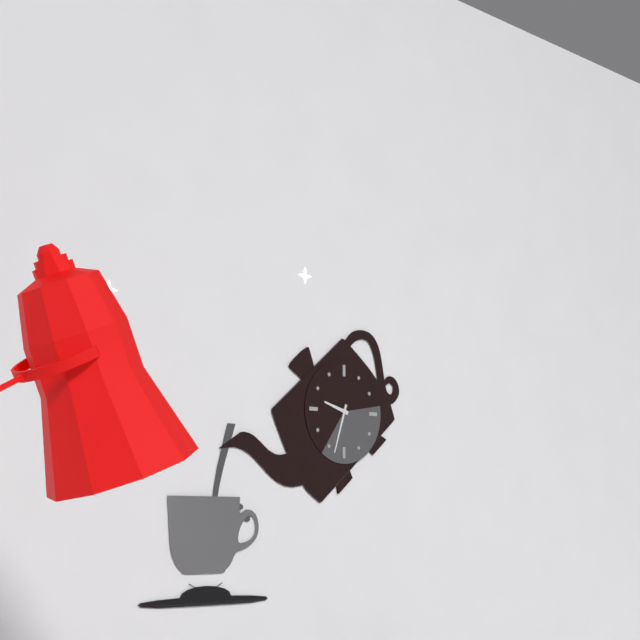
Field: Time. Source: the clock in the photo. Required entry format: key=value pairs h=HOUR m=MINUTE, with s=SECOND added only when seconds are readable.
h=9 m=33
